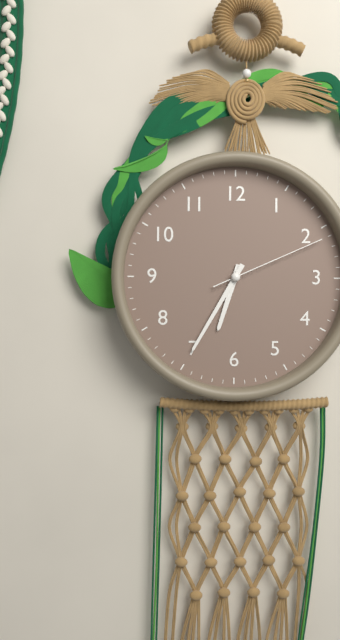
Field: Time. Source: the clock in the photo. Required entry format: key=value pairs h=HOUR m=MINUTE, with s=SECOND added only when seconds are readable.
h=6 m=35 s=11
